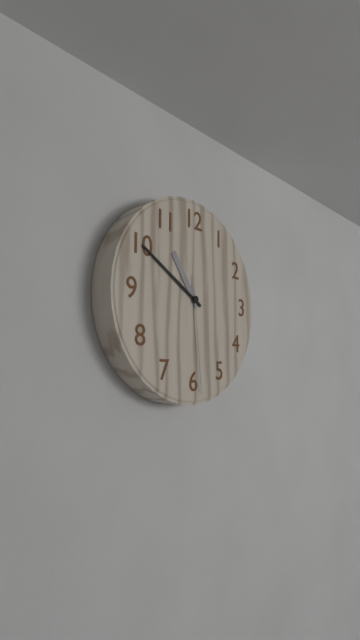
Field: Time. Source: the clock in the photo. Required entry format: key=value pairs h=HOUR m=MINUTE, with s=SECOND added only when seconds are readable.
h=10 m=50 s=29
